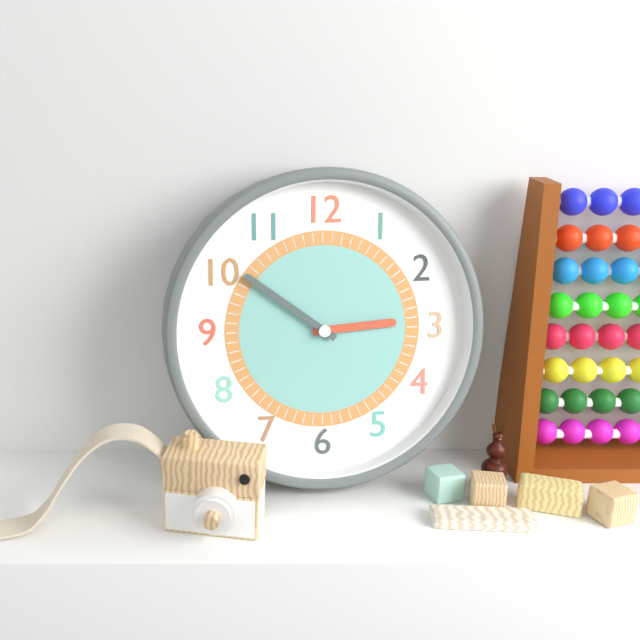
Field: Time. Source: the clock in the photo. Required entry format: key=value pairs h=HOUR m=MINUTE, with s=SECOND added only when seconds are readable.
h=2 m=51
